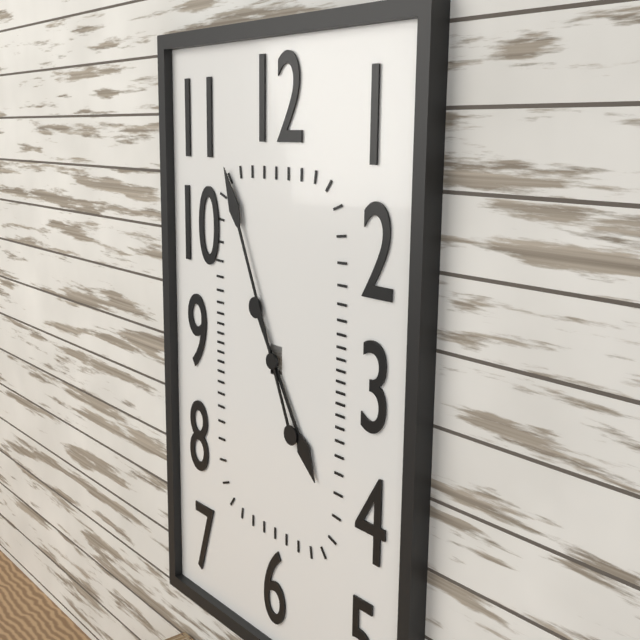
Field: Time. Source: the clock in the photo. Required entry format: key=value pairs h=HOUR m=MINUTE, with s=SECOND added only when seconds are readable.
h=4 m=56
